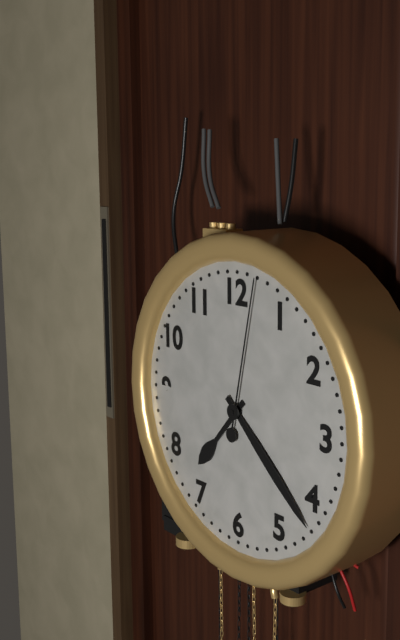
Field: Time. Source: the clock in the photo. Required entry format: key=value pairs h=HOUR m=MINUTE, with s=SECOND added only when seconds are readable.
h=7 m=22 s=2
